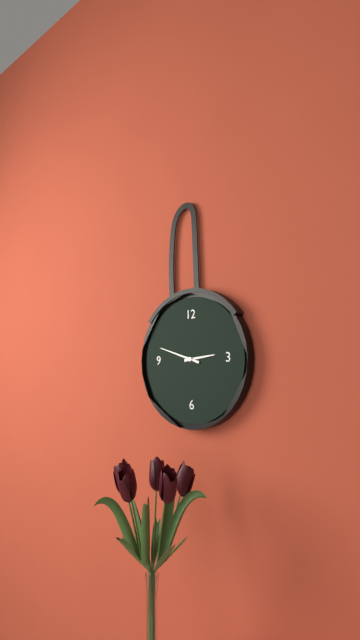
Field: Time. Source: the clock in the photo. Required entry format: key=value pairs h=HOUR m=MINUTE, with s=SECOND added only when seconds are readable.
h=2 m=48
